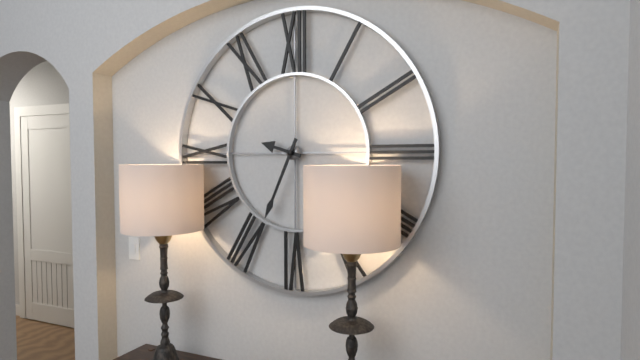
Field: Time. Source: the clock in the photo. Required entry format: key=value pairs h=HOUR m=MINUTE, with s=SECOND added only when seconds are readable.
h=9 m=34
